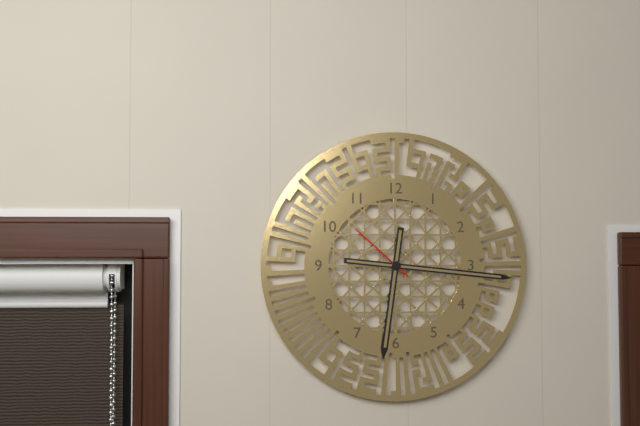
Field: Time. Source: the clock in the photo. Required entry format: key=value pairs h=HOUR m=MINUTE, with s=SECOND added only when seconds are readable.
h=6 m=16 s=52
